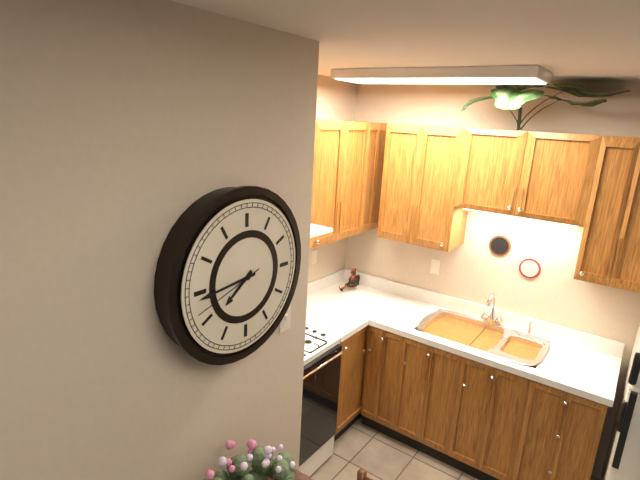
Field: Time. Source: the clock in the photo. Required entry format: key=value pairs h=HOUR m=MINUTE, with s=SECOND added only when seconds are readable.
h=7 m=44 s=42
